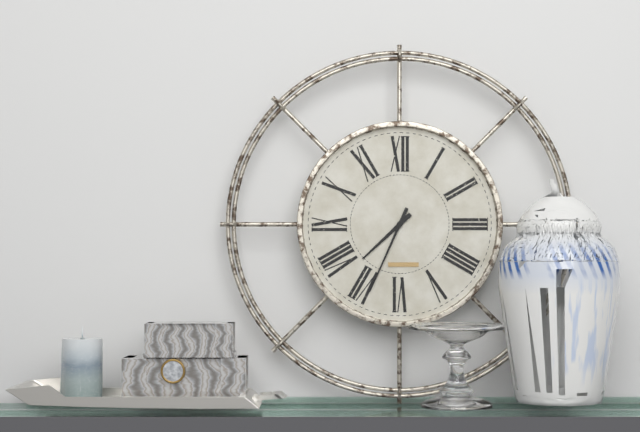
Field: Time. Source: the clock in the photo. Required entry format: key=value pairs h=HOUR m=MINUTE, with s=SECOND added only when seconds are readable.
h=7 m=34
